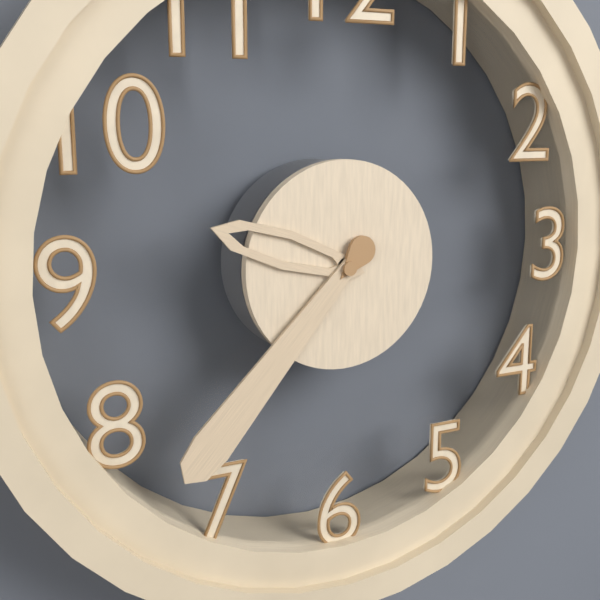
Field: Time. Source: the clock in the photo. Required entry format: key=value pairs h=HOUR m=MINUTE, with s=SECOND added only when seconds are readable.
h=9 m=37
